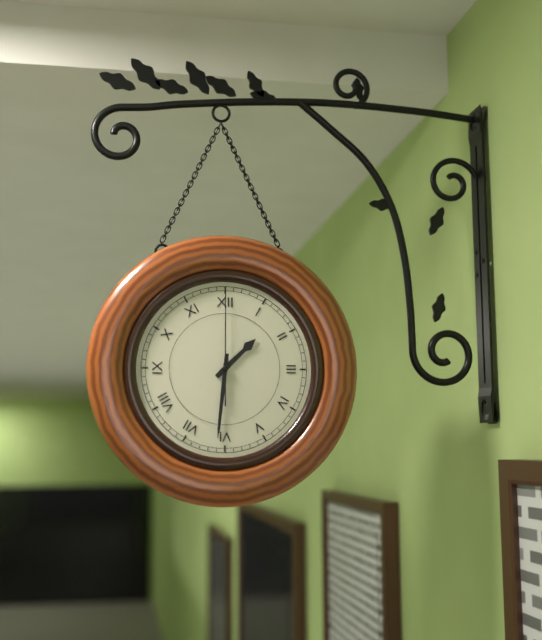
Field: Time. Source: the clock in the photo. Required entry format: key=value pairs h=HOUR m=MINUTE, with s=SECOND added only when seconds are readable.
h=1 m=31 s=0
